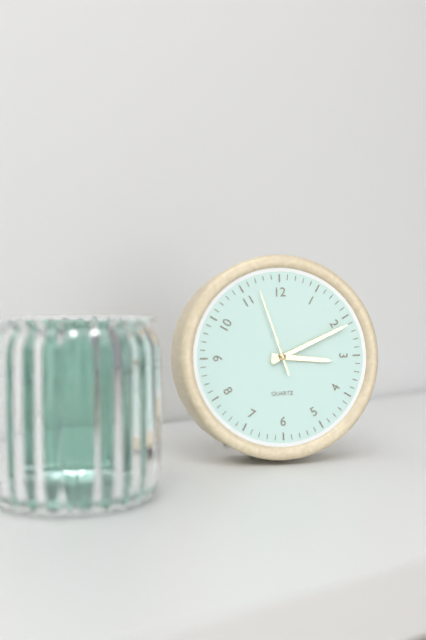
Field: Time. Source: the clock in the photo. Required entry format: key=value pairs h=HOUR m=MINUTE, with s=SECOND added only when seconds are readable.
h=3 m=11 s=57
